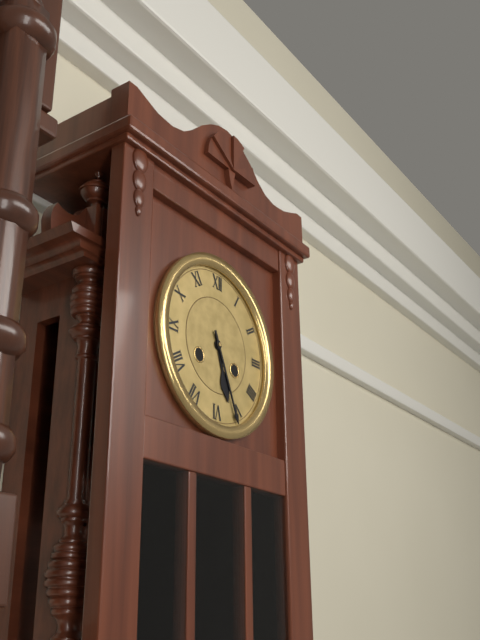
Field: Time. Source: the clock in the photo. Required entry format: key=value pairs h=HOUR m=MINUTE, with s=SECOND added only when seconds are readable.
h=5 m=26
